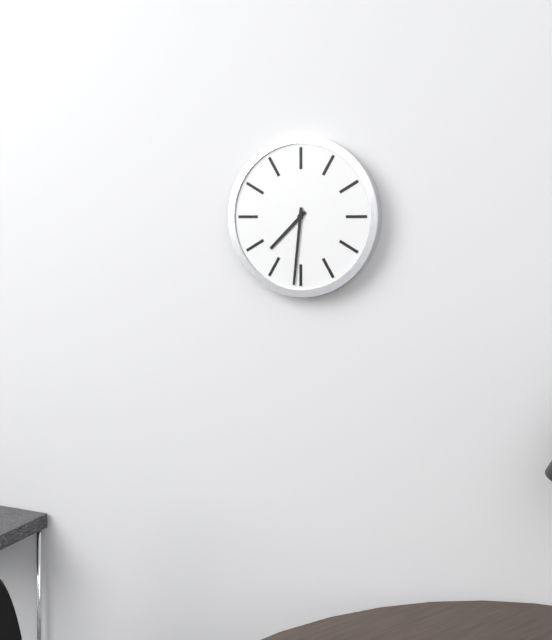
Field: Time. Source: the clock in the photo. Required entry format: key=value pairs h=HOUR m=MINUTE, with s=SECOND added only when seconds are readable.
h=7 m=31
